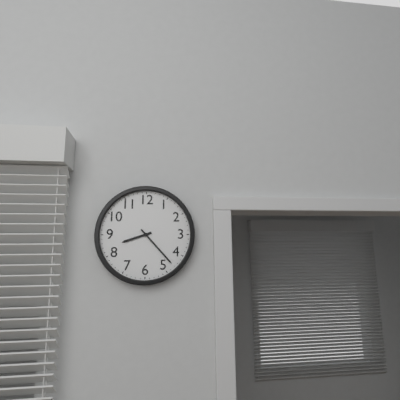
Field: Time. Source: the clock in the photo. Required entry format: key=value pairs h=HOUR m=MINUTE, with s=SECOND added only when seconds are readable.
h=8 m=23
